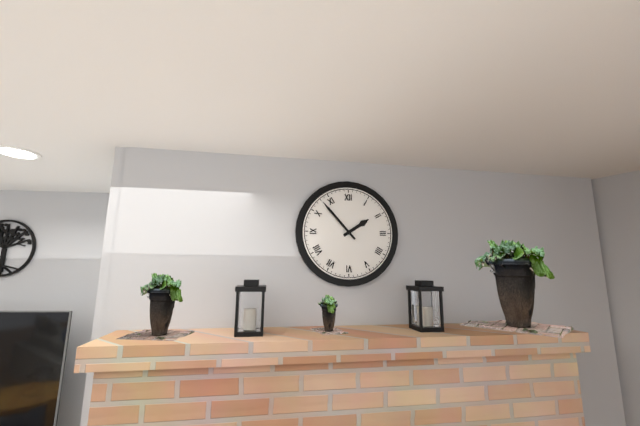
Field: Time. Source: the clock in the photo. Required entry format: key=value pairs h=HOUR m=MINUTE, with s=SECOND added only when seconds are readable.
h=1 m=53
